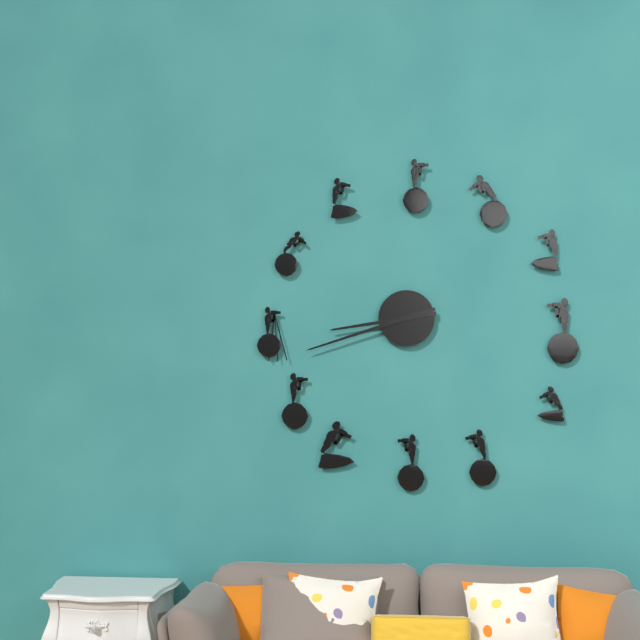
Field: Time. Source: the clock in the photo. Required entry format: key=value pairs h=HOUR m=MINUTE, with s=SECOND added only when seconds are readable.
h=8 m=42
